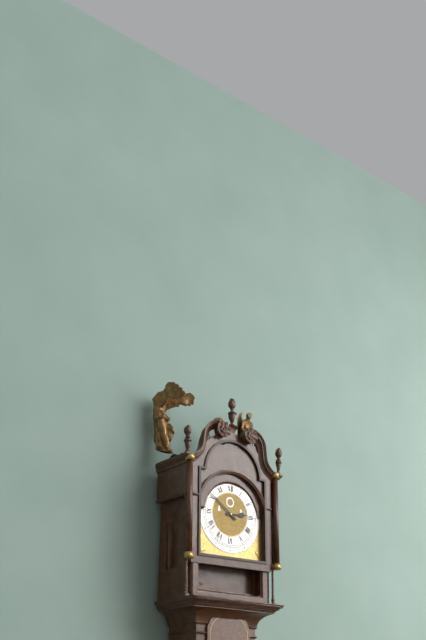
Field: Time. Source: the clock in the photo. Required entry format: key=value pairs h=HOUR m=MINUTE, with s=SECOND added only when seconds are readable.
h=2 m=51
